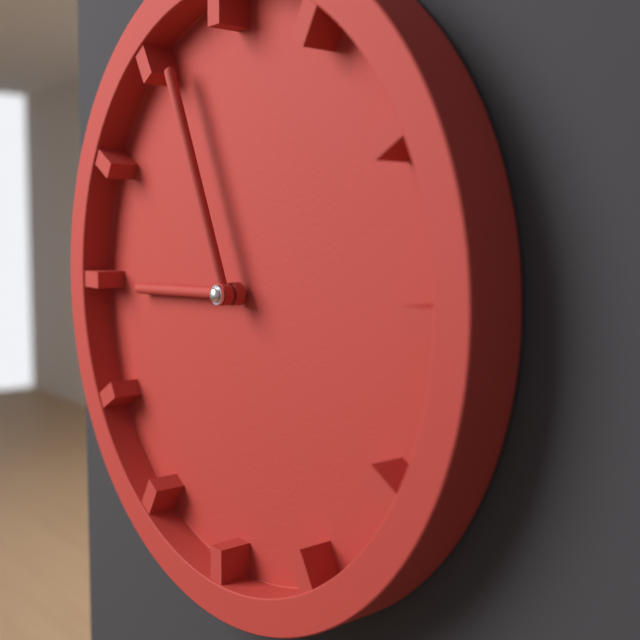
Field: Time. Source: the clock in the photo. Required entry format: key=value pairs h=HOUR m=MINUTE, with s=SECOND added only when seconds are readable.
h=8 m=56
